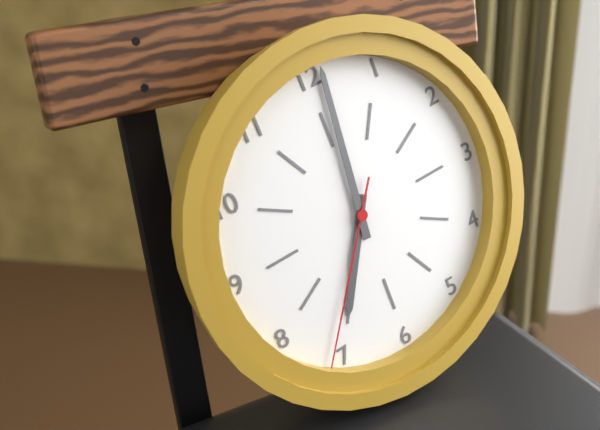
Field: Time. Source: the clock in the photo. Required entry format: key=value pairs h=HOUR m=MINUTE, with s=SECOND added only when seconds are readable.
h=7 m=1 s=36
